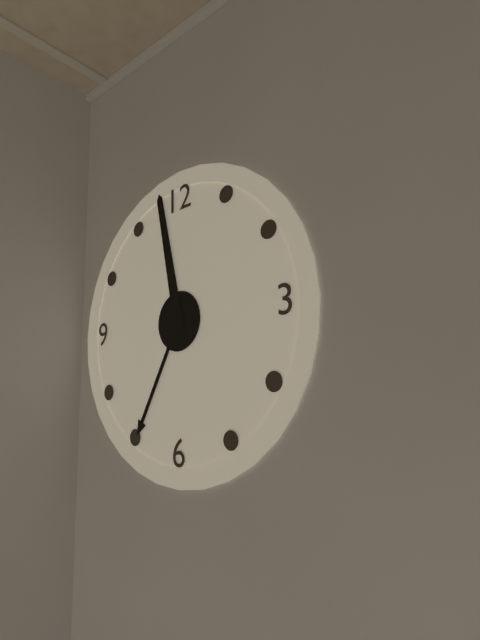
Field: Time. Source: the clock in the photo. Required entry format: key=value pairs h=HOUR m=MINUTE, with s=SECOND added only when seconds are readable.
h=6 m=58
